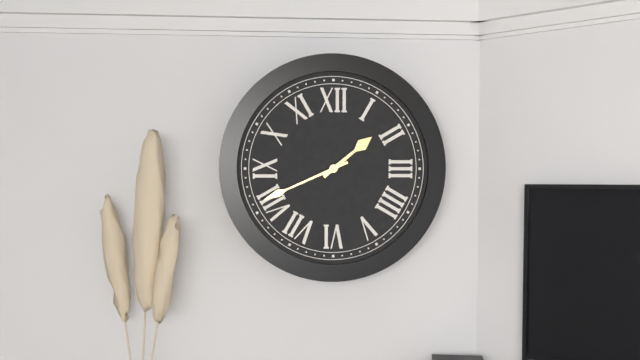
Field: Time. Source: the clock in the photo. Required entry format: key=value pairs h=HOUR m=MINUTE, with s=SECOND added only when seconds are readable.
h=1 m=41
